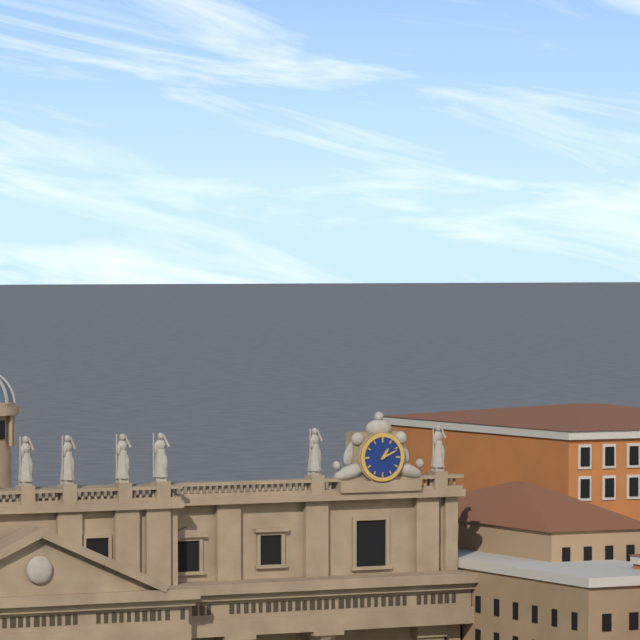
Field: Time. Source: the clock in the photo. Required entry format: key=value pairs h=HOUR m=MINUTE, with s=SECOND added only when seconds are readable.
h=1 m=11
